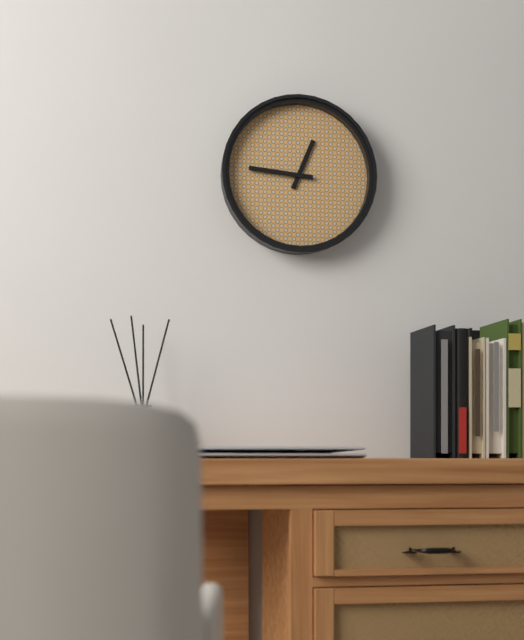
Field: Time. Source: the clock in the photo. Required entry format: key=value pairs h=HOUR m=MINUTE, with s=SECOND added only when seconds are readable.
h=12 m=46
